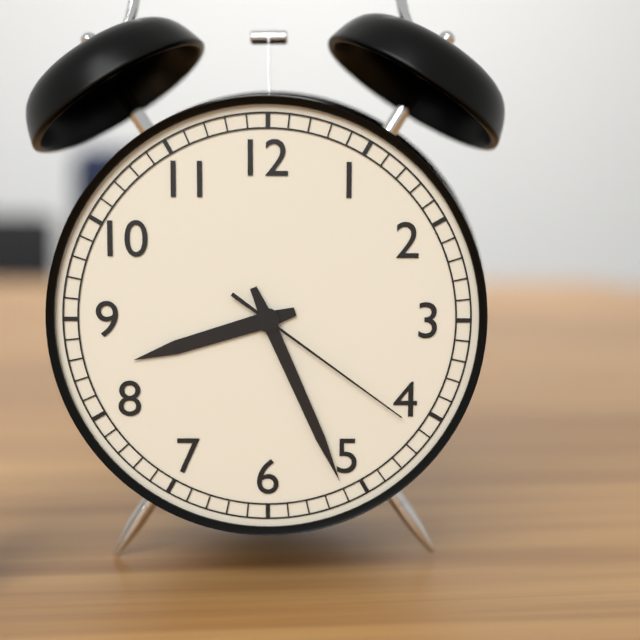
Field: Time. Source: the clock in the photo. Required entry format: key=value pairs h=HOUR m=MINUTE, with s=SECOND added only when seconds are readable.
h=8 m=26 s=21
